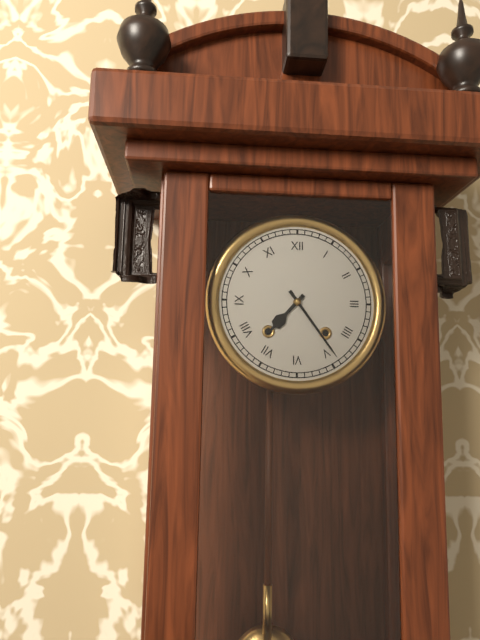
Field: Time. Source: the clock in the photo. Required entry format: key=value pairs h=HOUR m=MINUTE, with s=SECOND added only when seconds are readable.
h=7 m=24
